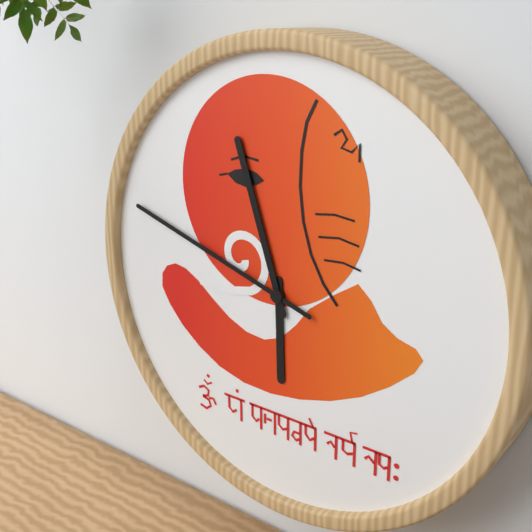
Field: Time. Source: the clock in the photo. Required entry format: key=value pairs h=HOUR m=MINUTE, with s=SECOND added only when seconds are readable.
h=5 m=57 s=48
